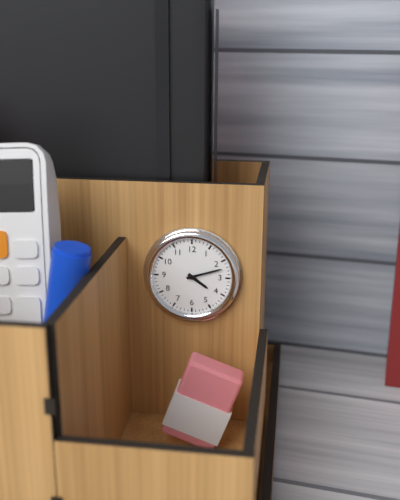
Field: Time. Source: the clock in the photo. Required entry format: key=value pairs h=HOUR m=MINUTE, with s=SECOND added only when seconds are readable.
h=4 m=12
